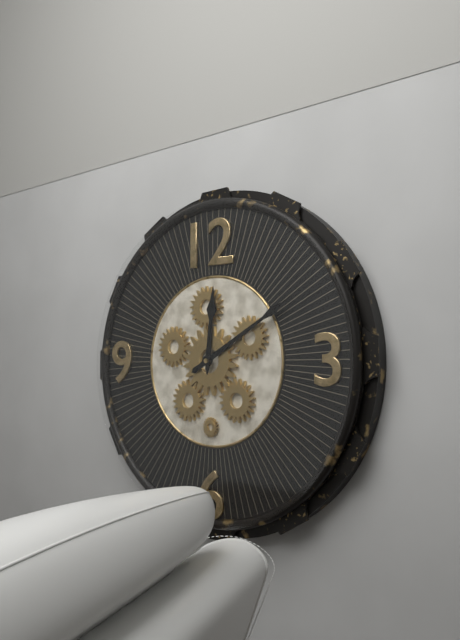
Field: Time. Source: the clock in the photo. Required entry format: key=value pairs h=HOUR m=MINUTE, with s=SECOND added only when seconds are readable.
h=12 m=10
